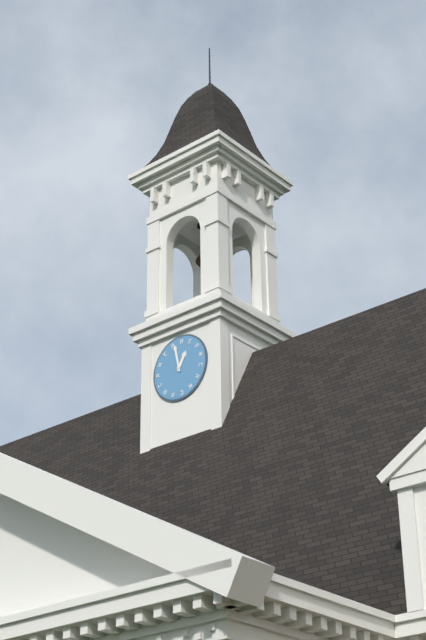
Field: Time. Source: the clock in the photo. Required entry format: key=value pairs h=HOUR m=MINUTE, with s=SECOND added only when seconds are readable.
h=12 m=58
